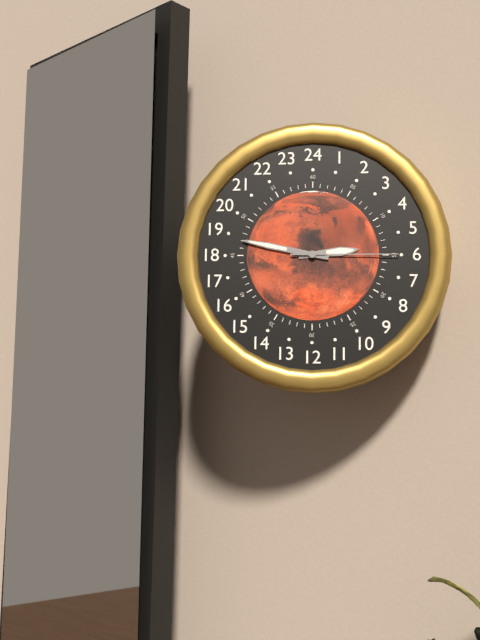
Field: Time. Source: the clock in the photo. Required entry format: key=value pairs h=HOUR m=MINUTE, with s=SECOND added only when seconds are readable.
h=2 m=47 s=15
